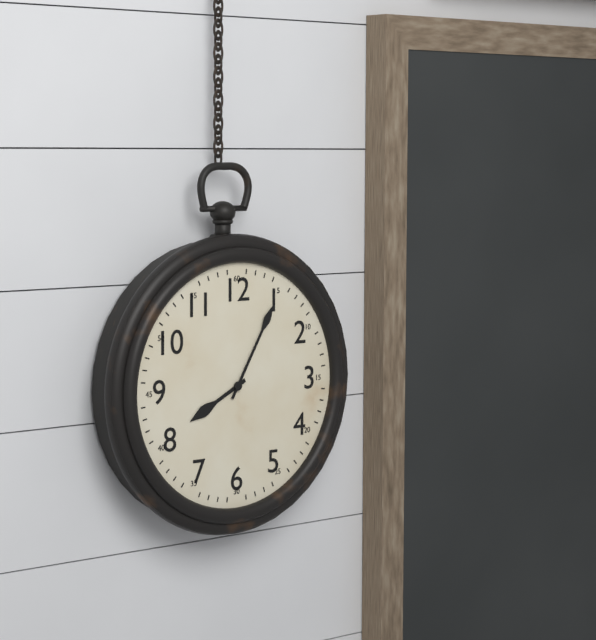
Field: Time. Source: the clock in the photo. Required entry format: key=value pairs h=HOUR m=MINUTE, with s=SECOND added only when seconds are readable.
h=8 m=5
